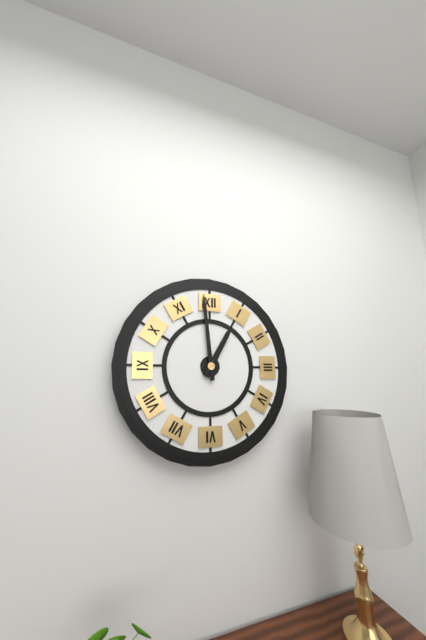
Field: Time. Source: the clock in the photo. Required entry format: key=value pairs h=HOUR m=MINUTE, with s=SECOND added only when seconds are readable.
h=12 m=59
